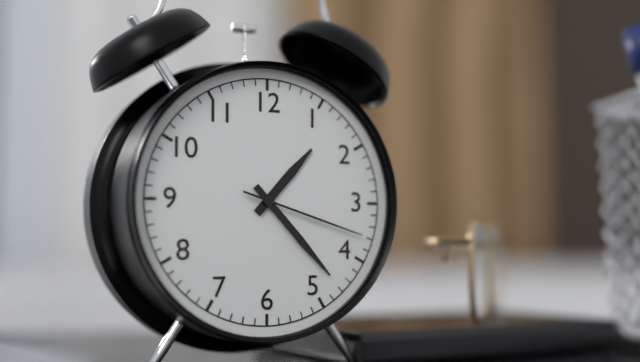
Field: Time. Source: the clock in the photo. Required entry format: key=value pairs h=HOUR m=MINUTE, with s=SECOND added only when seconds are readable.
h=1 m=23 s=18
